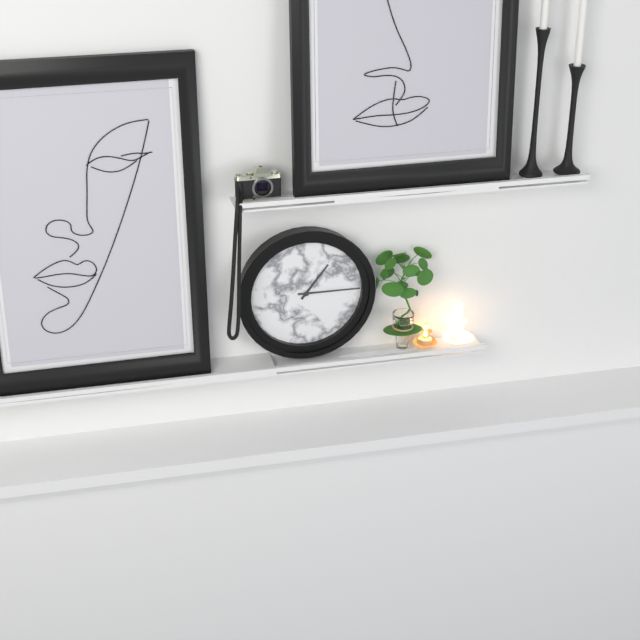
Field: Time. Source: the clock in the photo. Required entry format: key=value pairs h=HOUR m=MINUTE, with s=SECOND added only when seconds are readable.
h=1 m=15
